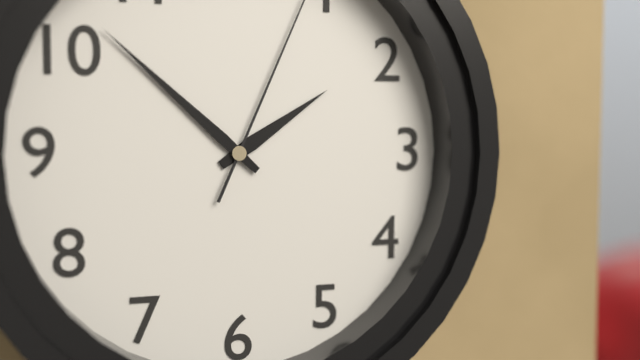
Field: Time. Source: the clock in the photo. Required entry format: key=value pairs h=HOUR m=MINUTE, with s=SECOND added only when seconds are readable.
h=1 m=52
